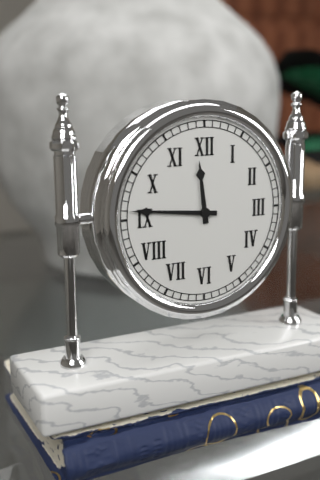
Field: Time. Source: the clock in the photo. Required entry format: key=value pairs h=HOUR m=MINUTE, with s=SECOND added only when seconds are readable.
h=11 m=46
